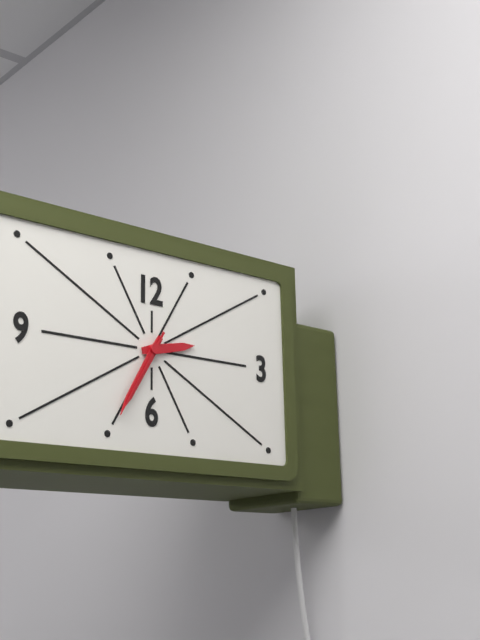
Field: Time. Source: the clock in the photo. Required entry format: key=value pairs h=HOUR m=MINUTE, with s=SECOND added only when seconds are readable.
h=2 m=35 s=35
